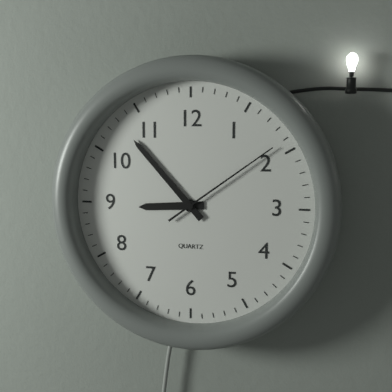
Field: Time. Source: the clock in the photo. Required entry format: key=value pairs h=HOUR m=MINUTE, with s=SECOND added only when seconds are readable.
h=8 m=53 s=9
